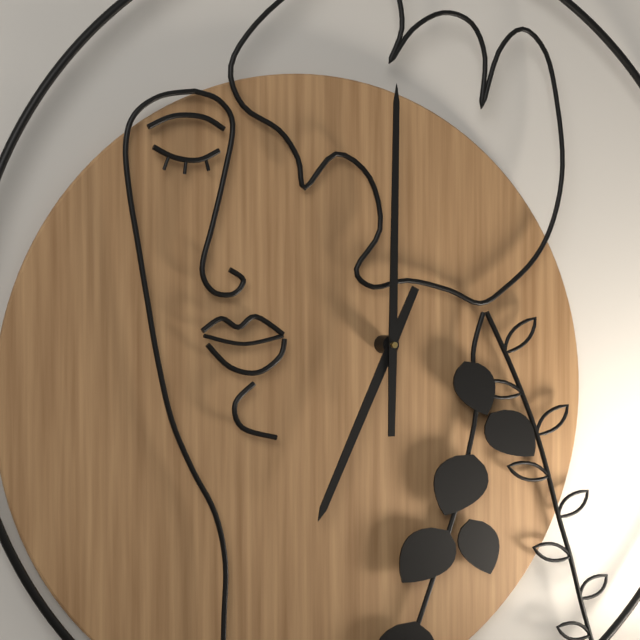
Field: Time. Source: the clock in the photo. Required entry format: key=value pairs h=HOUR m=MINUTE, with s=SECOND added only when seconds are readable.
h=7 m=1
